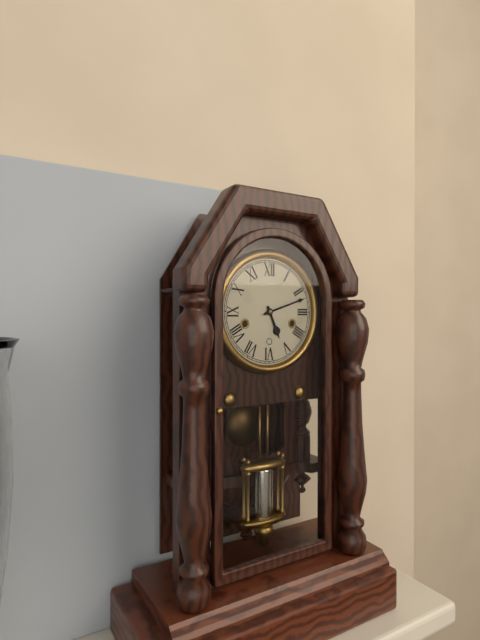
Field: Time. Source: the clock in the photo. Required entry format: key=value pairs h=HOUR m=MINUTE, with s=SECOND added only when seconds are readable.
h=5 m=12
